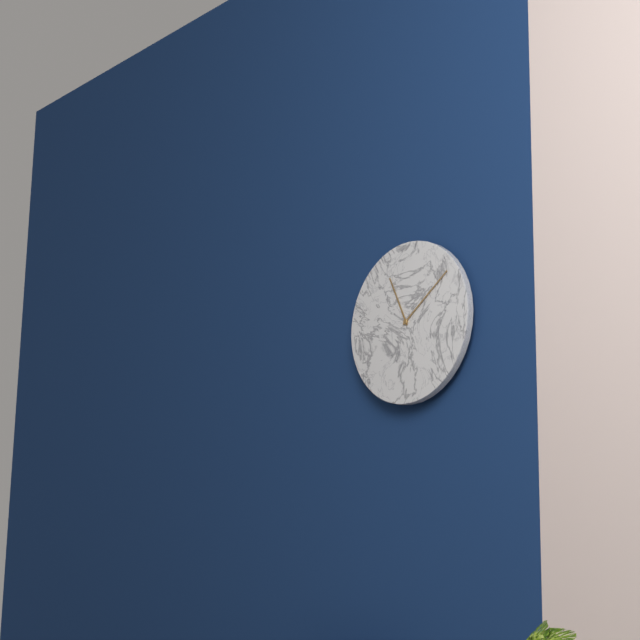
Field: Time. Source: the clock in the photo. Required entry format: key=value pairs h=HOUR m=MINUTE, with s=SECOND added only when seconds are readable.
h=11 m=9
